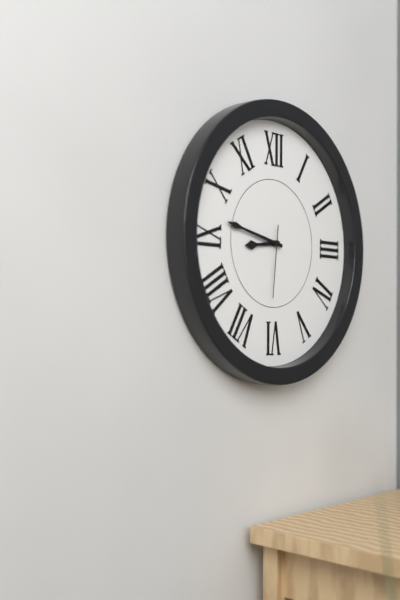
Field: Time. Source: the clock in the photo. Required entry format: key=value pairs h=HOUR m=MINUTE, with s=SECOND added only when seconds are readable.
h=8 m=47 s=31
